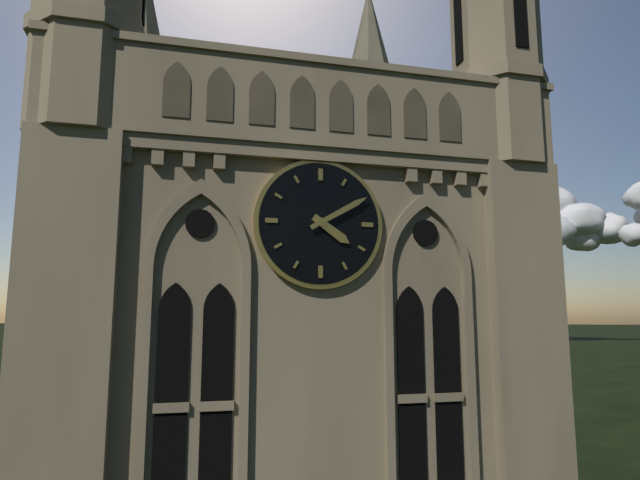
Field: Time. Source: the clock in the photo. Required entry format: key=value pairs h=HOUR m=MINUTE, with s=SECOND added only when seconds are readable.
h=4 m=10
